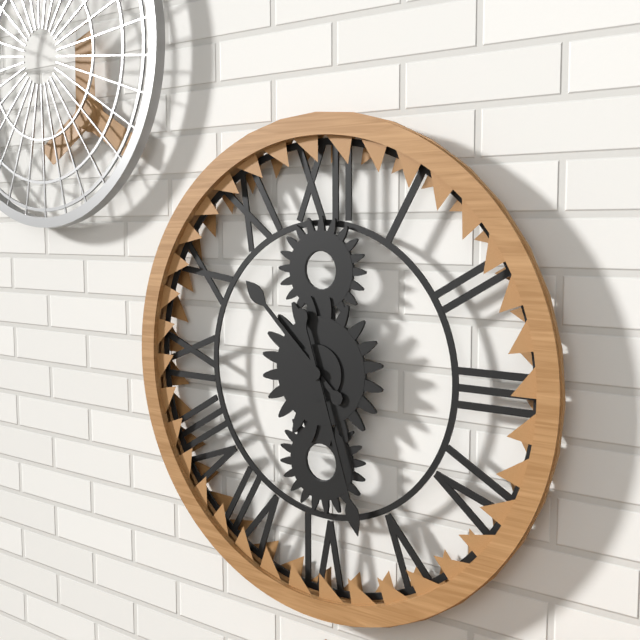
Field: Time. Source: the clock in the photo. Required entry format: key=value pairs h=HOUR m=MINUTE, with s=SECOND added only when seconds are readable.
h=10 m=27
